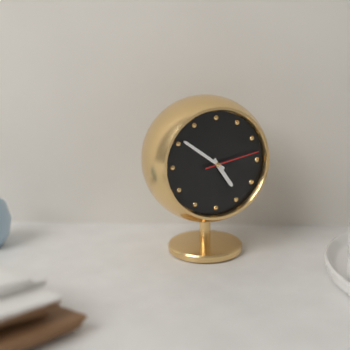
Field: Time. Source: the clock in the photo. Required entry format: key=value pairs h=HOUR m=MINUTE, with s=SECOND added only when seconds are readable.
h=4 m=51 s=13
